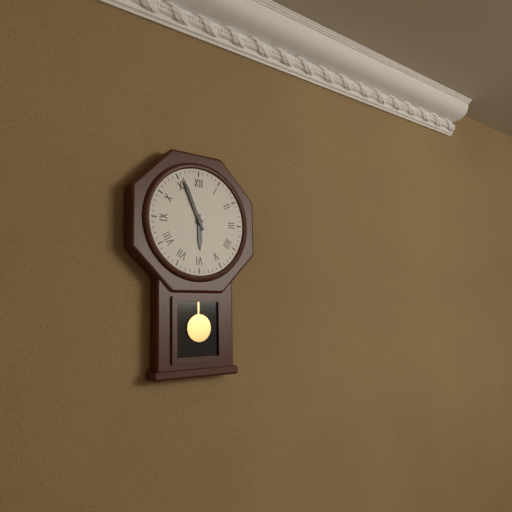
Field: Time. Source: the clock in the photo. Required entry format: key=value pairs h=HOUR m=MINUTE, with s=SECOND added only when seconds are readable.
h=5 m=56
